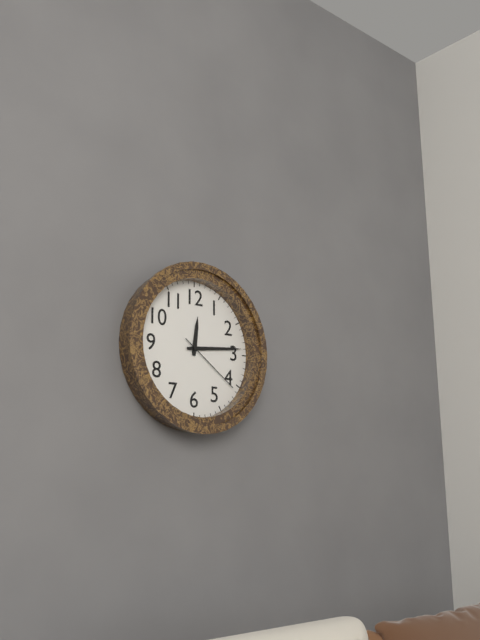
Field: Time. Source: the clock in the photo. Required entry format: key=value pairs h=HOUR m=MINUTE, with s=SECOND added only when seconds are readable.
h=12 m=14 s=21
